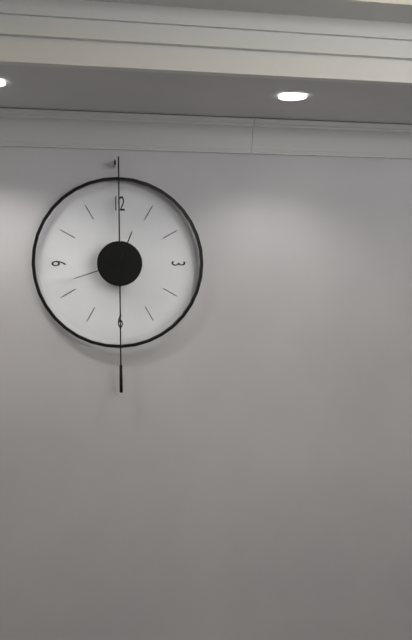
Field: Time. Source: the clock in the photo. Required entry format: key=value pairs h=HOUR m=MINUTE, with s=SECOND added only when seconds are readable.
h=12 m=42
